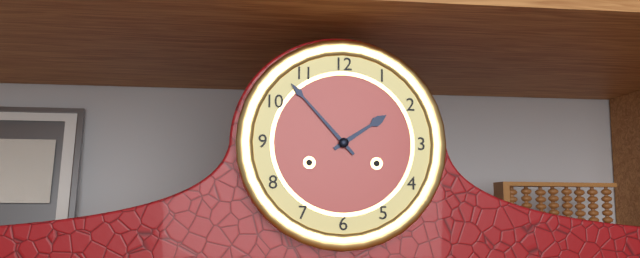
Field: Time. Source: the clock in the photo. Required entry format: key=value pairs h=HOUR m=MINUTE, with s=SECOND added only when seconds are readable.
h=1 m=53
